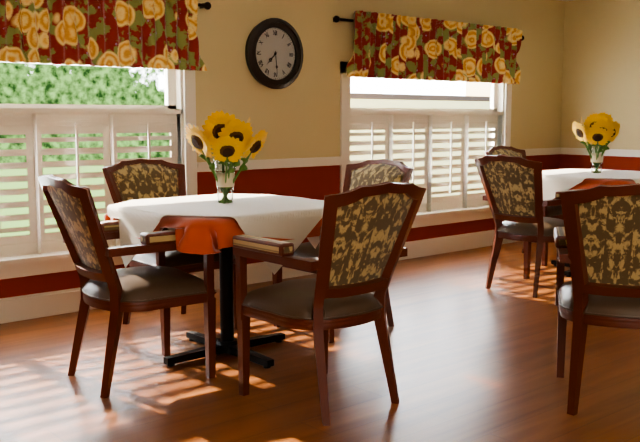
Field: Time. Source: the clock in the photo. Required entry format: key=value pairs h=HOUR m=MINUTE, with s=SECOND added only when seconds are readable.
h=7 m=29
